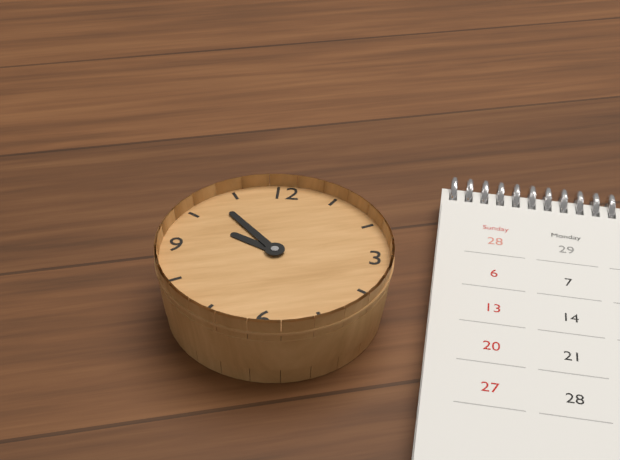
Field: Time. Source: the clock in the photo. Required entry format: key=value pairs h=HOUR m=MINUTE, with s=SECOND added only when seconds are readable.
h=9 m=53
